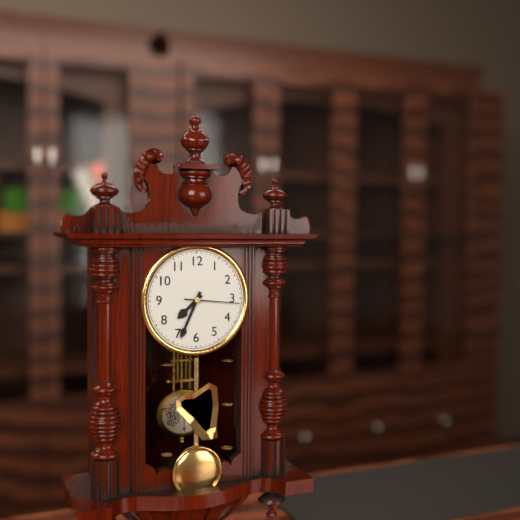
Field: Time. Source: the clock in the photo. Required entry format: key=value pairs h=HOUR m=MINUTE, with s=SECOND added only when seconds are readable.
h=7 m=34 s=16
